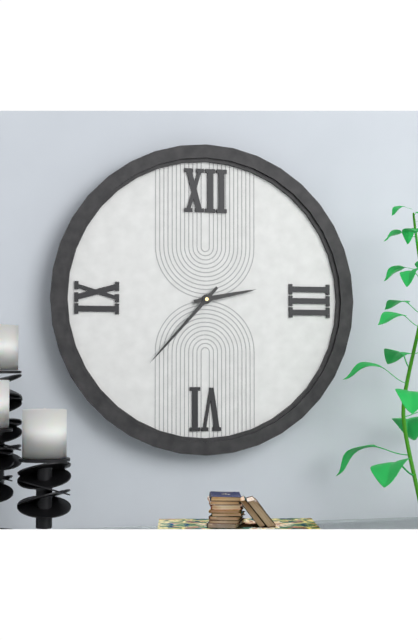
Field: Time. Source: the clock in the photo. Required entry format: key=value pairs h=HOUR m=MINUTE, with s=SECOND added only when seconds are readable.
h=2 m=37
